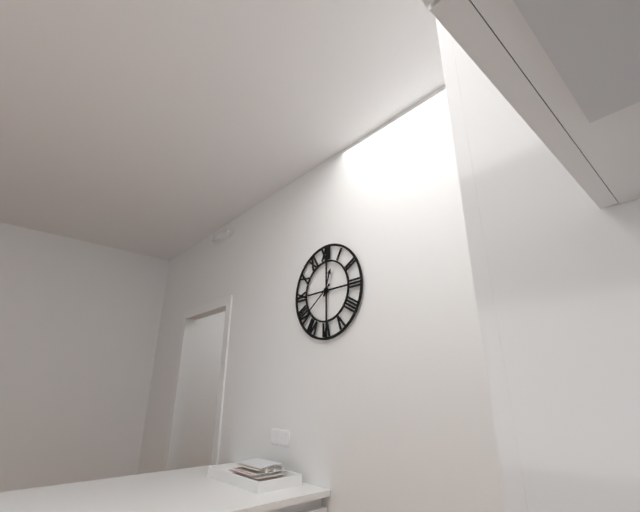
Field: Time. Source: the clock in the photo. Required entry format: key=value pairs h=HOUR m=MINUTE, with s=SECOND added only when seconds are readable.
h=12 m=39
